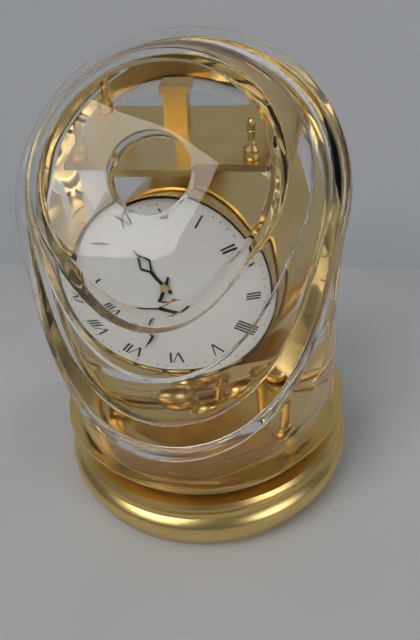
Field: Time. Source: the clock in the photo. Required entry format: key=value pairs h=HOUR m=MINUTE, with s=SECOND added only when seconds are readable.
h=10 m=34
